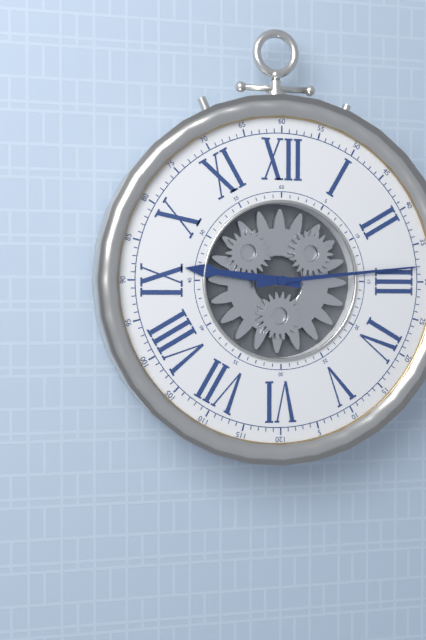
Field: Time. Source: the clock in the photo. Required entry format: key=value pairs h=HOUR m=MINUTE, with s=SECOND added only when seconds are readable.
h=9 m=14
